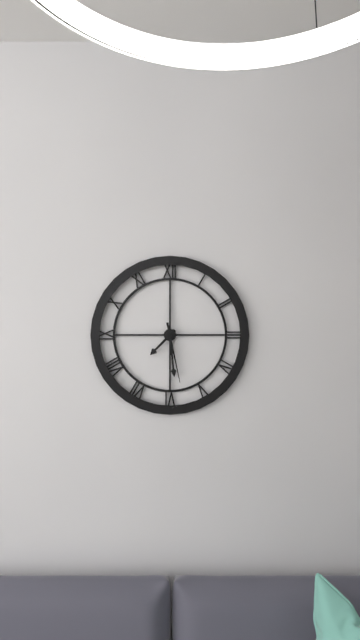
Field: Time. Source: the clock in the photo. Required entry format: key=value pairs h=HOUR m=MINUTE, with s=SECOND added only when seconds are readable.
h=7 m=29 s=28
